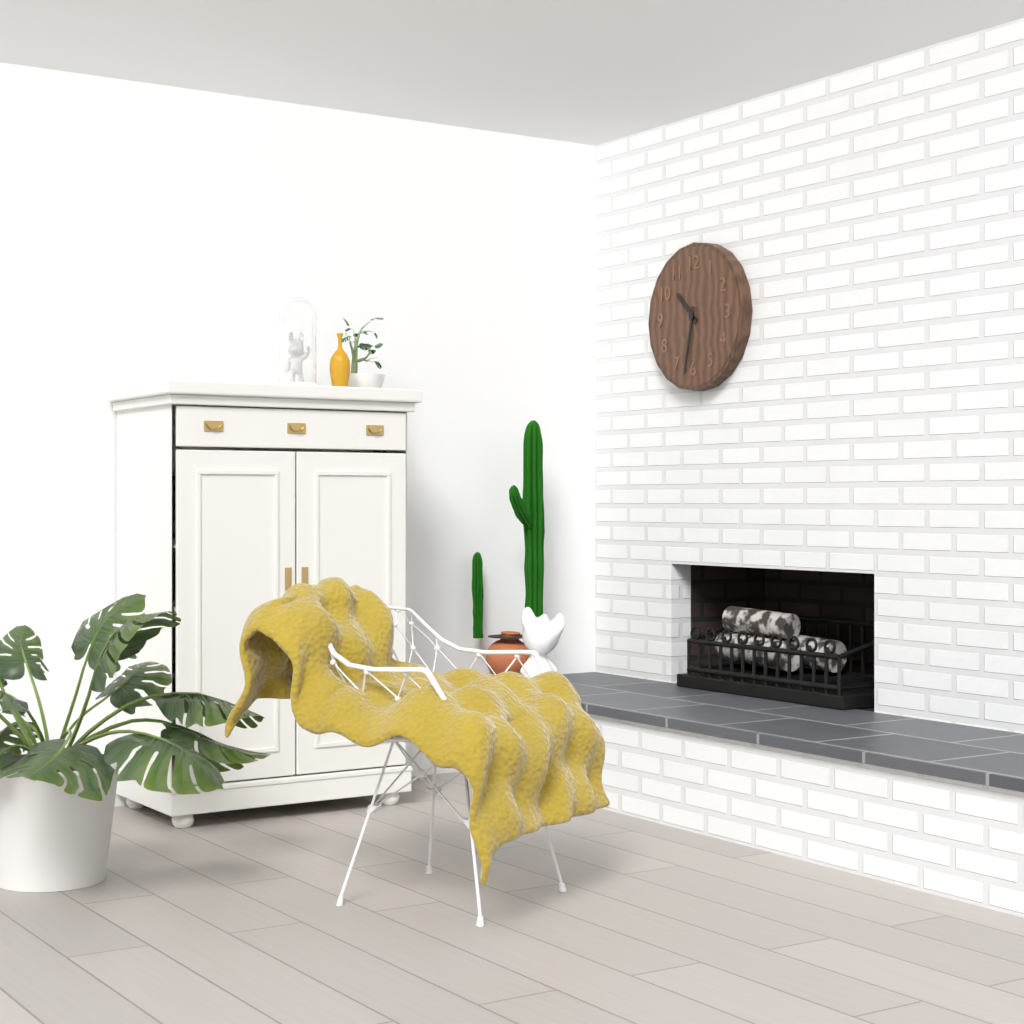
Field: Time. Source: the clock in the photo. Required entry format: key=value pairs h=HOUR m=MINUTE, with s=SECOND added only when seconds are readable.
h=10 m=32
